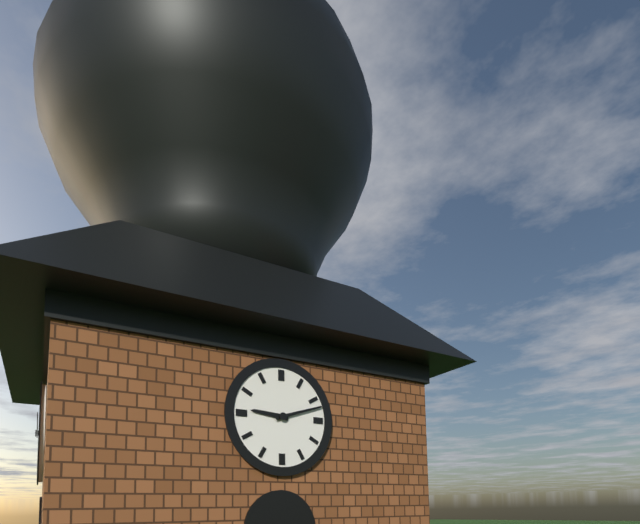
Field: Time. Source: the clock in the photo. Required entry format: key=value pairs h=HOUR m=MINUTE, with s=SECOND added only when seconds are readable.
h=9 m=12
